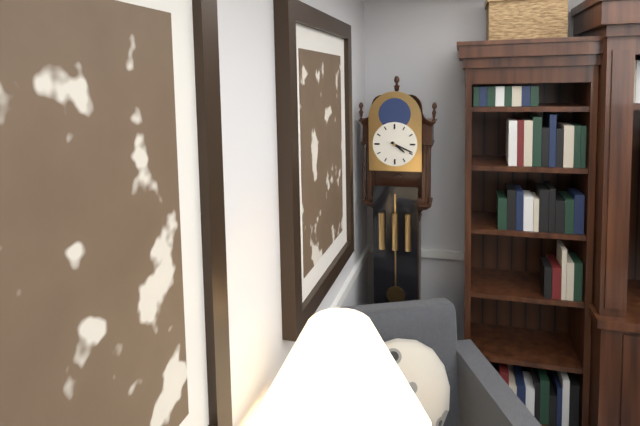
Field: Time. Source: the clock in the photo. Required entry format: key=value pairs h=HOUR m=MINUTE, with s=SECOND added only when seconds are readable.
h=4 m=19
